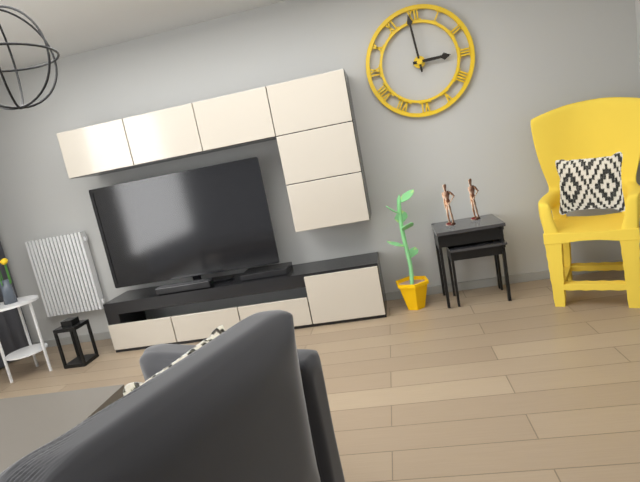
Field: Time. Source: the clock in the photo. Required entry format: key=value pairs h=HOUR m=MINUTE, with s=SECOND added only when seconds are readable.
h=2 m=59
